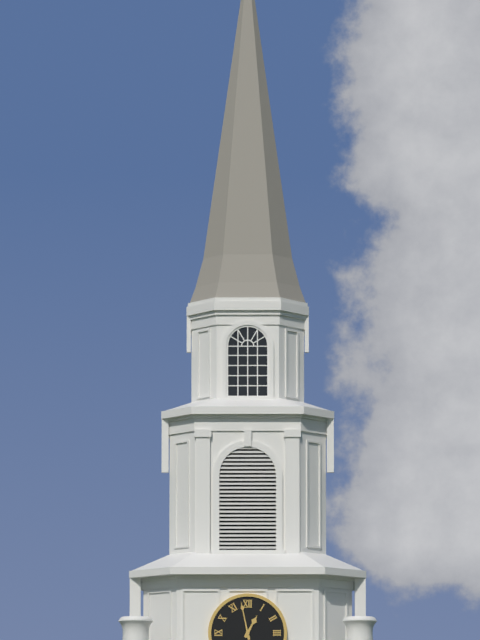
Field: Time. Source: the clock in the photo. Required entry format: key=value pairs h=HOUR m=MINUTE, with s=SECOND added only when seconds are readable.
h=12 m=58
